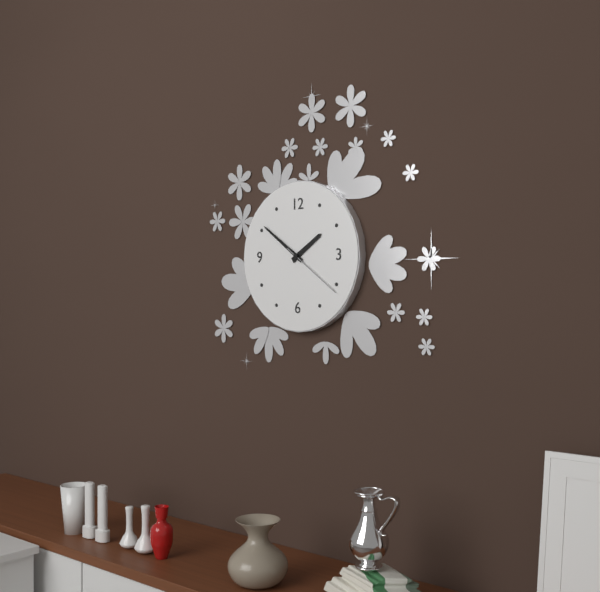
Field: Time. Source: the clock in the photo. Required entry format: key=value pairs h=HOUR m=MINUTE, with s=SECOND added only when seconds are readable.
h=1 m=51 s=21
